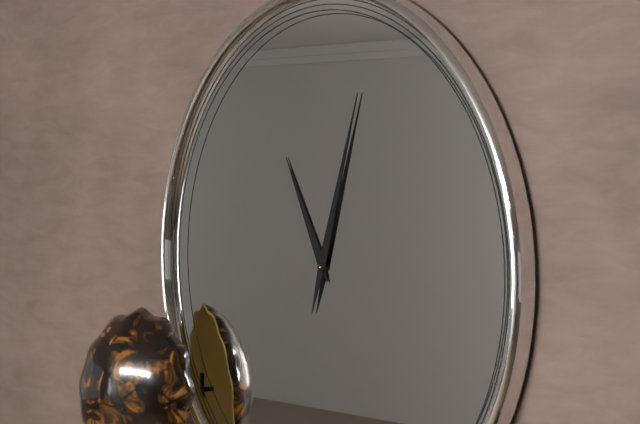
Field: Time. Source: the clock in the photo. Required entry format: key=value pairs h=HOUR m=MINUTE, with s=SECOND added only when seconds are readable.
h=11 m=3
